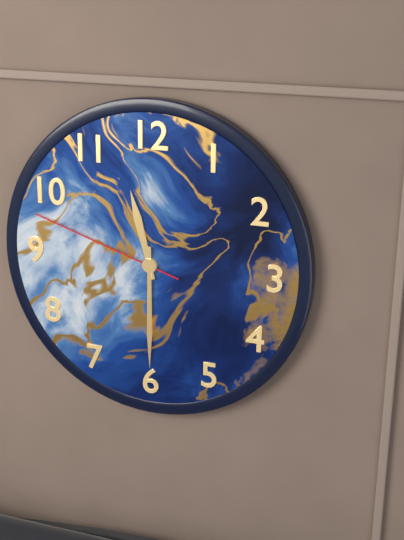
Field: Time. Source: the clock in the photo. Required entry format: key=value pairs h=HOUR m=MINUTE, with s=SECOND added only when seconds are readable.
h=11 m=30 s=48
